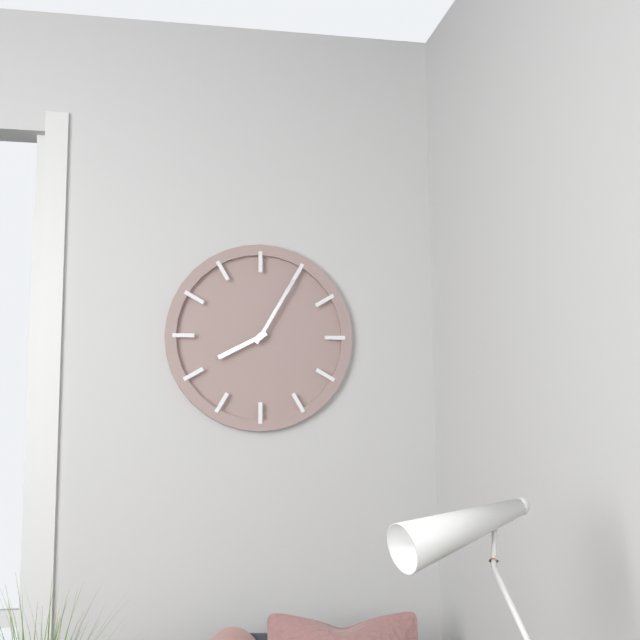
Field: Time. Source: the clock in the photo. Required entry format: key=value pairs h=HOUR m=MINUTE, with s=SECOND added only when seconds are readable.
h=8 m=5
